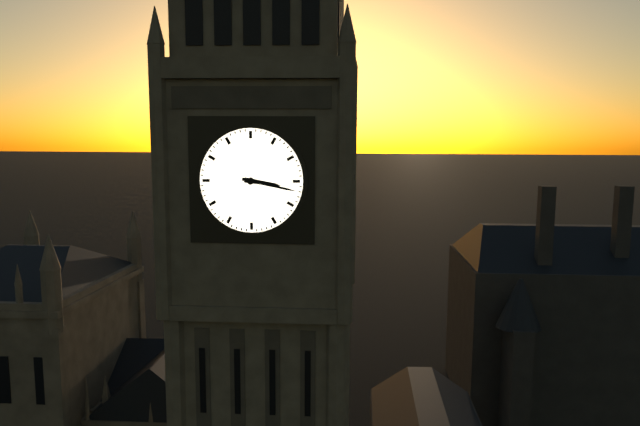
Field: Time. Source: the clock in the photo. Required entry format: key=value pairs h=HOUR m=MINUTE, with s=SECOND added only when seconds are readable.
h=3 m=17
